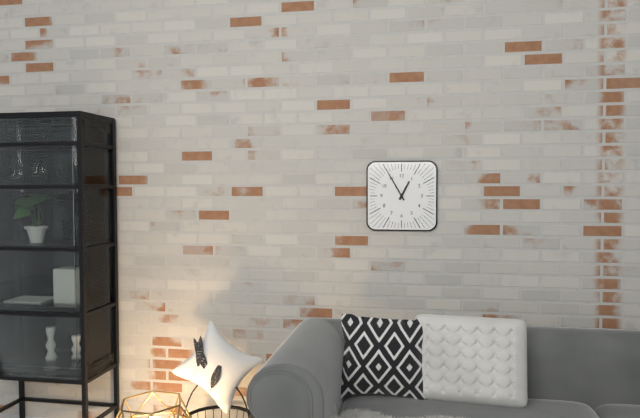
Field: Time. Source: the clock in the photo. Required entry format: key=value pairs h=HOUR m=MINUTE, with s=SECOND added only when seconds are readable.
h=12 m=55
